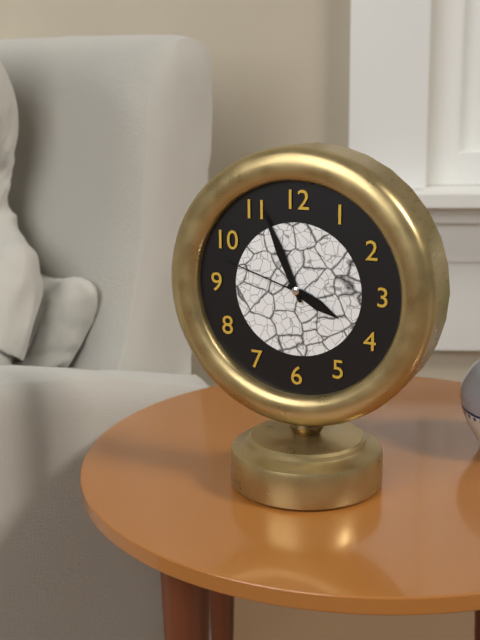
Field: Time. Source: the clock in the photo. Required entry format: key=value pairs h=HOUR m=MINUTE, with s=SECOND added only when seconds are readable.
h=3 m=56 s=48
